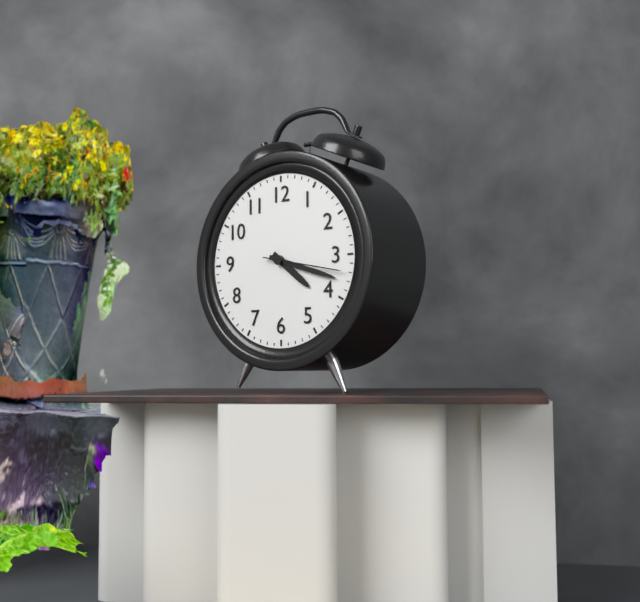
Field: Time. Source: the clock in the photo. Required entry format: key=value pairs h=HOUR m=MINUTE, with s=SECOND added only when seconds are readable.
h=4 m=18 s=17
